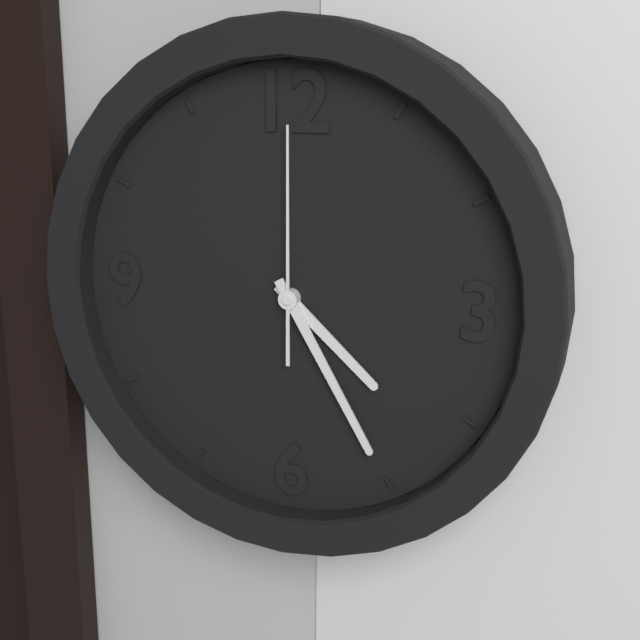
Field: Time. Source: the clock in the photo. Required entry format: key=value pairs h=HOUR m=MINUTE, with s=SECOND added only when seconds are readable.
h=4 m=25 s=0
